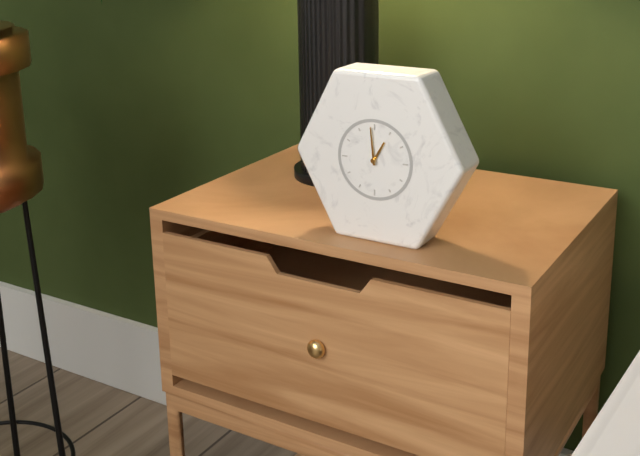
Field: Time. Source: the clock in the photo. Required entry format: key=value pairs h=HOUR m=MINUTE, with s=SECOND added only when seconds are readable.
h=12 m=59
